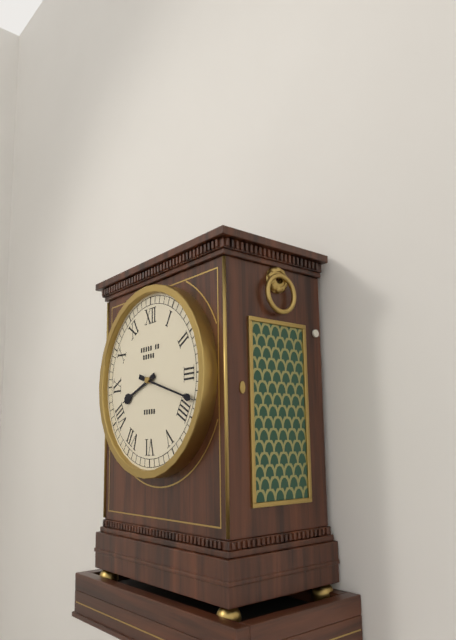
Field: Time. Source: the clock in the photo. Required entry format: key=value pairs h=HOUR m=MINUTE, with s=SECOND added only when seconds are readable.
h=8 m=18
